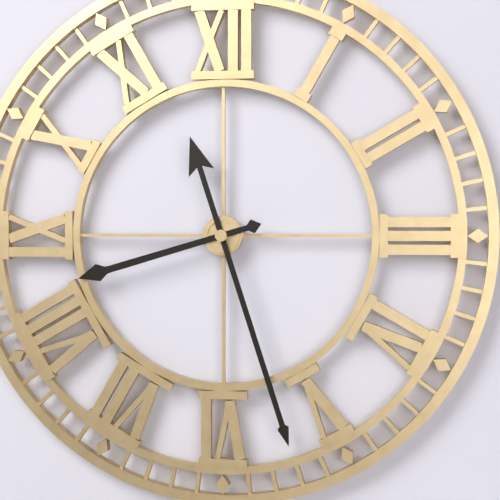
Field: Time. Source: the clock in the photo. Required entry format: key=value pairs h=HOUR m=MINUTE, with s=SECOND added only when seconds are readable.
h=8 m=27
